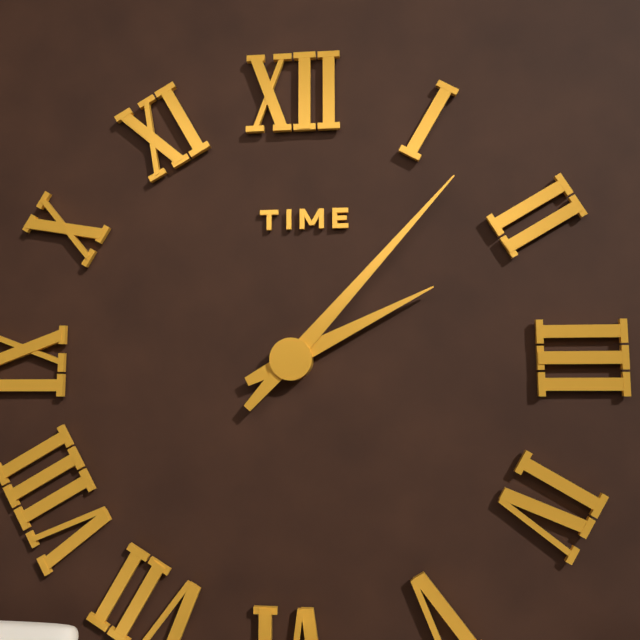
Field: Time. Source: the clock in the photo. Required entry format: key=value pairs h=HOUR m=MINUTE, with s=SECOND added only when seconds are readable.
h=2 m=7
